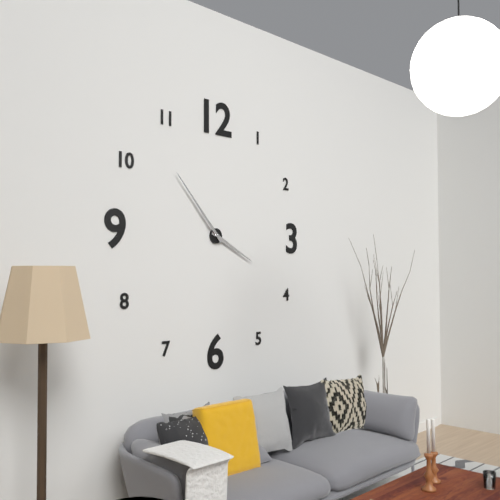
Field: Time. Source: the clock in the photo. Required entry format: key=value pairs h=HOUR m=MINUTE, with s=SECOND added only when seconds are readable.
h=3 m=53
